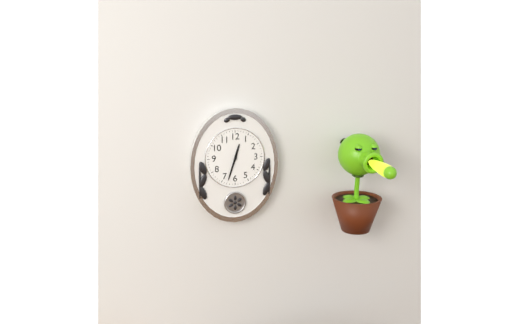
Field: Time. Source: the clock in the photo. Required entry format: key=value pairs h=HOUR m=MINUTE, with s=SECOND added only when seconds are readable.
h=12 m=33
